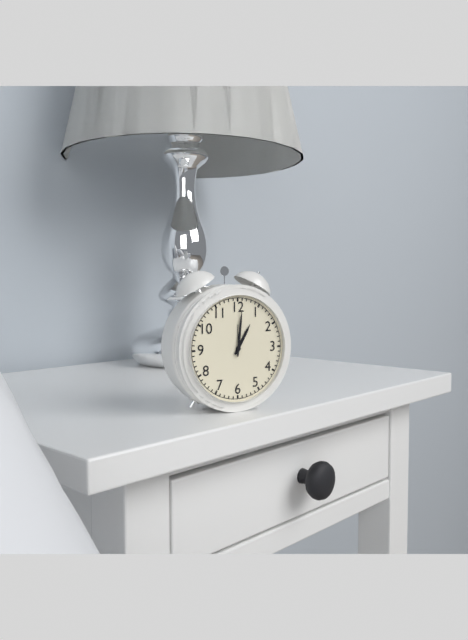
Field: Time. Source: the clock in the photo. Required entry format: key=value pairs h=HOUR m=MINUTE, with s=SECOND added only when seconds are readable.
h=1 m=1
